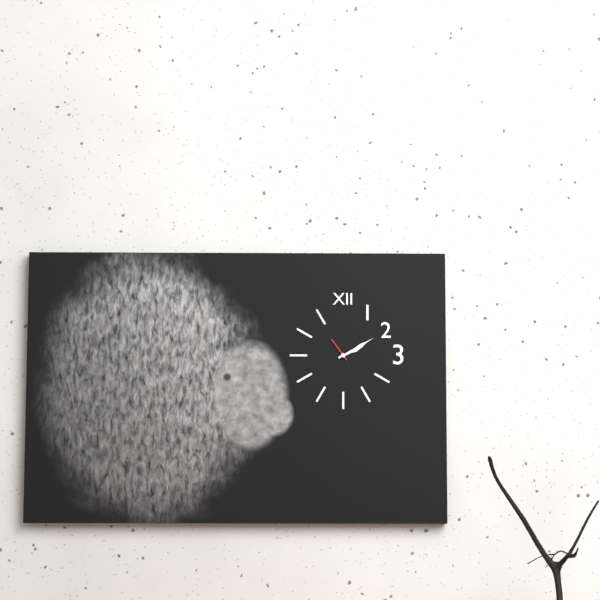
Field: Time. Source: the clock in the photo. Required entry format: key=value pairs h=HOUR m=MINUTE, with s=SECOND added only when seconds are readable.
h=2 m=10
